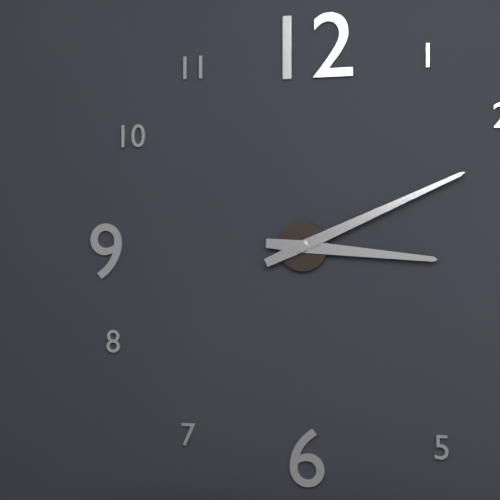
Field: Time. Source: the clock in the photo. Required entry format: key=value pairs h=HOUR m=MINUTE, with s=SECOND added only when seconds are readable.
h=3 m=11
